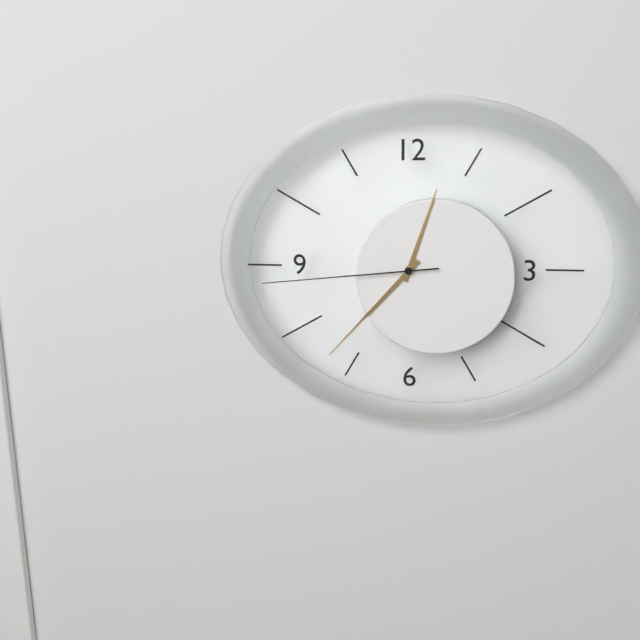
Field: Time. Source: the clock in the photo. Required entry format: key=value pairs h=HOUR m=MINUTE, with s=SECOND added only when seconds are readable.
h=12 m=37 s=44
